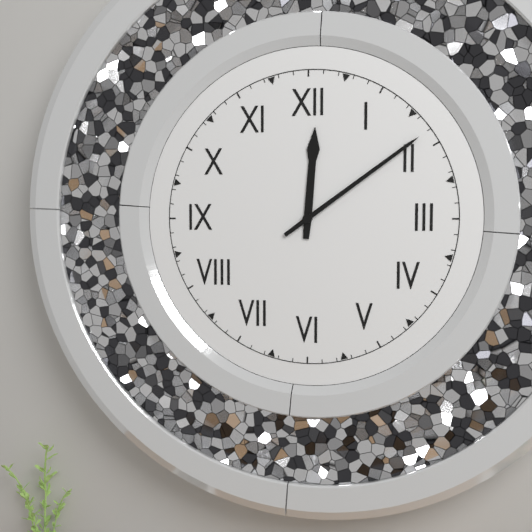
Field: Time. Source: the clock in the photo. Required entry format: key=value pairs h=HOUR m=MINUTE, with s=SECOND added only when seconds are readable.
h=12 m=9
